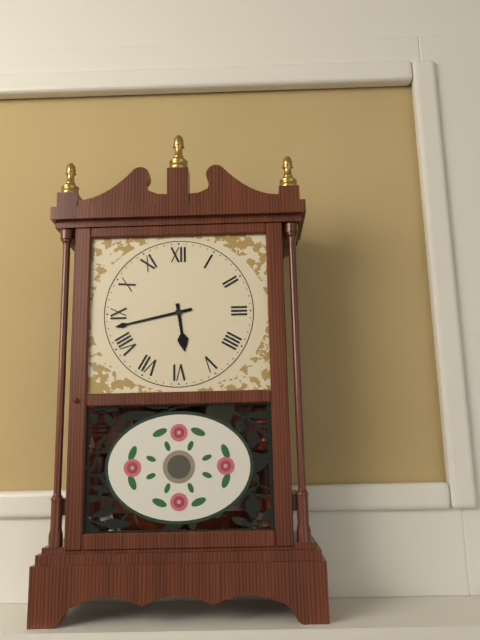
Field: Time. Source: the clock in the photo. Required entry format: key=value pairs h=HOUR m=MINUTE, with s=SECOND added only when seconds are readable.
h=5 m=43
